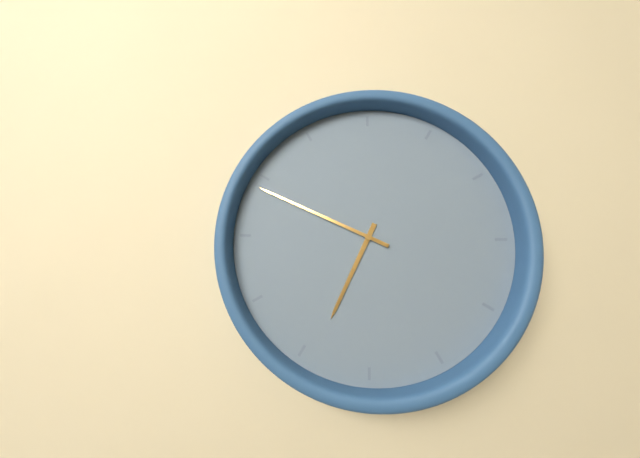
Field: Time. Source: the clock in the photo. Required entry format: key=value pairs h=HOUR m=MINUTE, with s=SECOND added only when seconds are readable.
h=6 m=49
